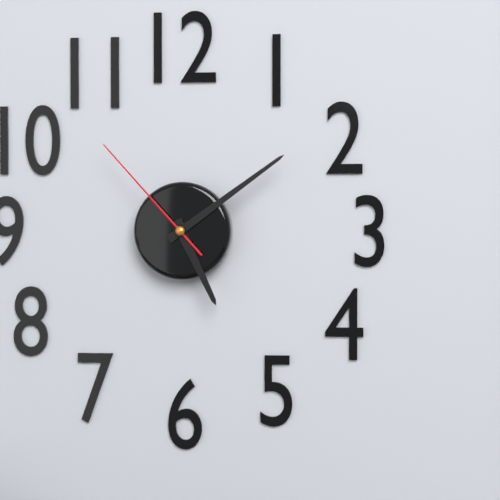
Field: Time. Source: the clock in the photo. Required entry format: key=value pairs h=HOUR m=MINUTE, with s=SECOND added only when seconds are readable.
h=5 m=9 s=53
